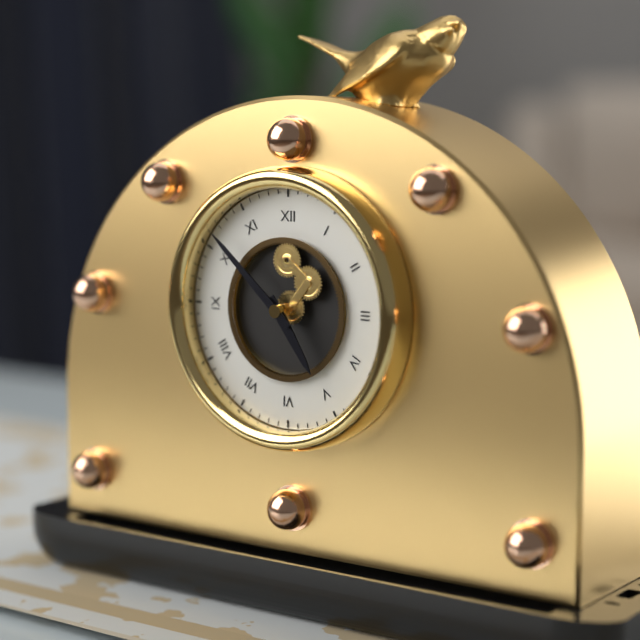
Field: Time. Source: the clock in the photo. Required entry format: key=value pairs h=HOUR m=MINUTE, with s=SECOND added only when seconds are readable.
h=4 m=52
